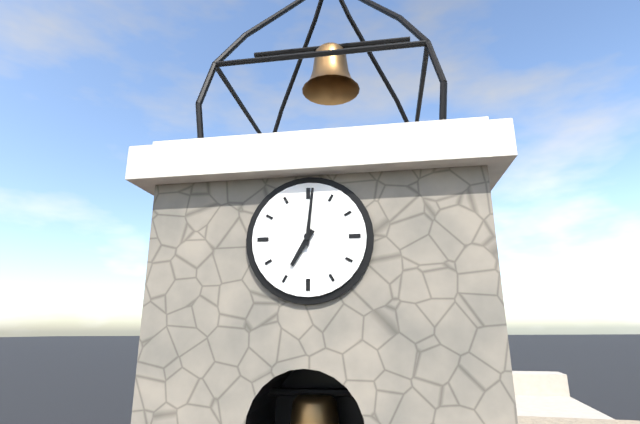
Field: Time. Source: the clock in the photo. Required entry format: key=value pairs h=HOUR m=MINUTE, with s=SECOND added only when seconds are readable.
h=7 m=1
